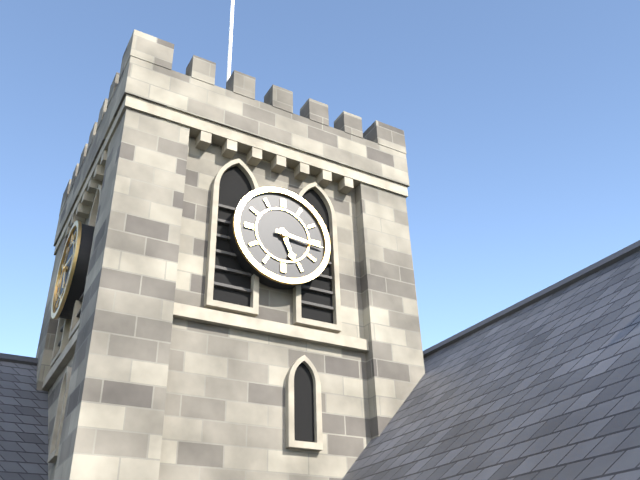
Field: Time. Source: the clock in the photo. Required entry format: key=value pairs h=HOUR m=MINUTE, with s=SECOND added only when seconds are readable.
h=5 m=16
